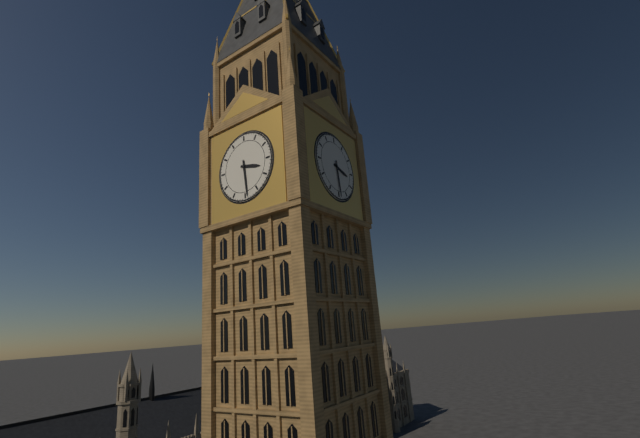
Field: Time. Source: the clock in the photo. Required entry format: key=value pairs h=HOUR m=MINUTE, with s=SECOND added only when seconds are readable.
h=3 m=29
